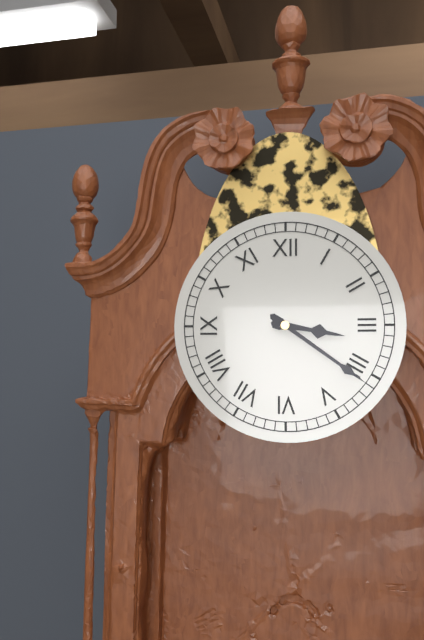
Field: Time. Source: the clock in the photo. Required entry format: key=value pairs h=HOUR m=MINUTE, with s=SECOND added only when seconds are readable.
h=3 m=21
